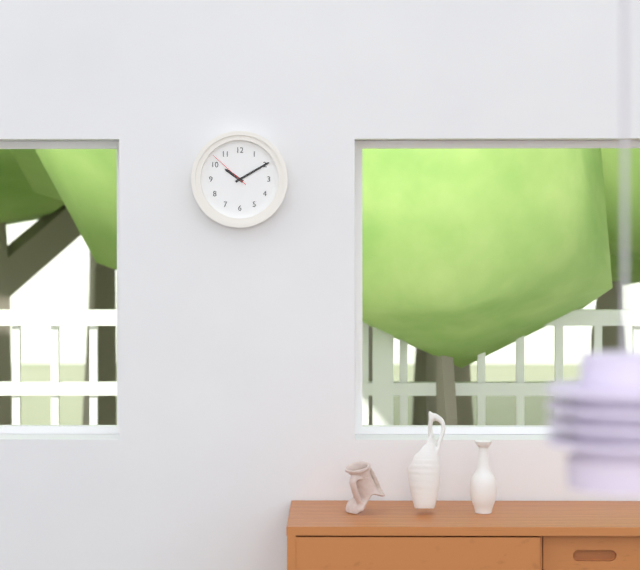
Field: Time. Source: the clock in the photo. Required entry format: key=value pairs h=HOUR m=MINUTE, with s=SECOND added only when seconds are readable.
h=10 m=10
